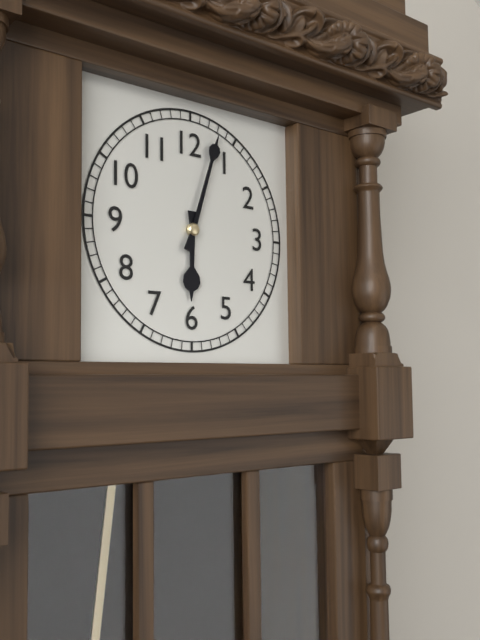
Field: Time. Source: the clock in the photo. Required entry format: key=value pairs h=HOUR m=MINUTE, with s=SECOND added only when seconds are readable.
h=6 m=3
